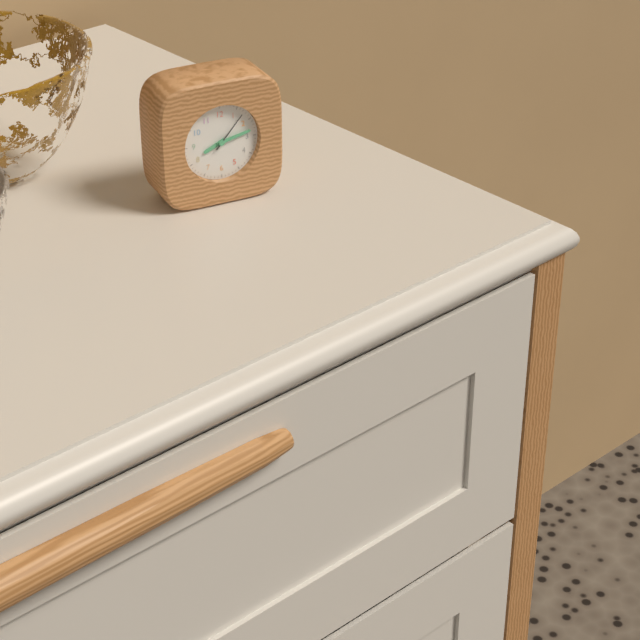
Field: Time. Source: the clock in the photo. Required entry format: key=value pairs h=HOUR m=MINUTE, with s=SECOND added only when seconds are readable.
h=8 m=13
